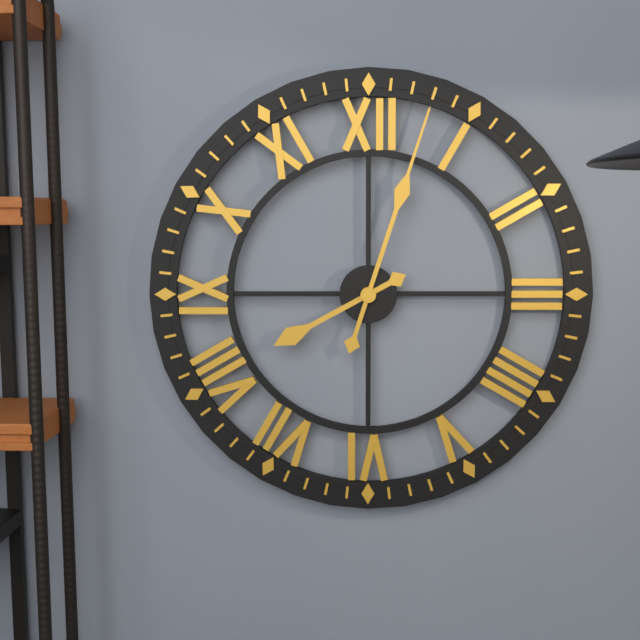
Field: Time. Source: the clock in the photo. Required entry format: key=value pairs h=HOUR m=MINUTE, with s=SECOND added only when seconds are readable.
h=8 m=3
